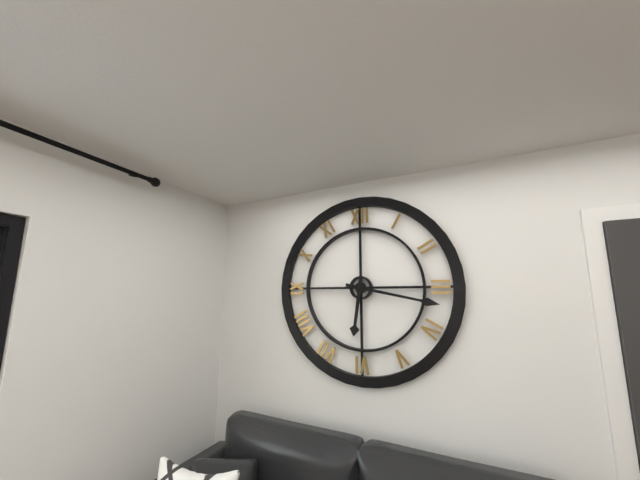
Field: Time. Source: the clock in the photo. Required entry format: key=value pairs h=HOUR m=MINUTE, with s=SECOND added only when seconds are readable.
h=6 m=17
